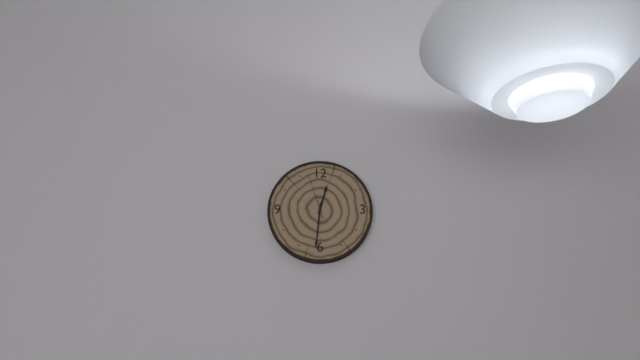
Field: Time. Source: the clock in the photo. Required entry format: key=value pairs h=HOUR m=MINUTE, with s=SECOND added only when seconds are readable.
h=12 m=31
